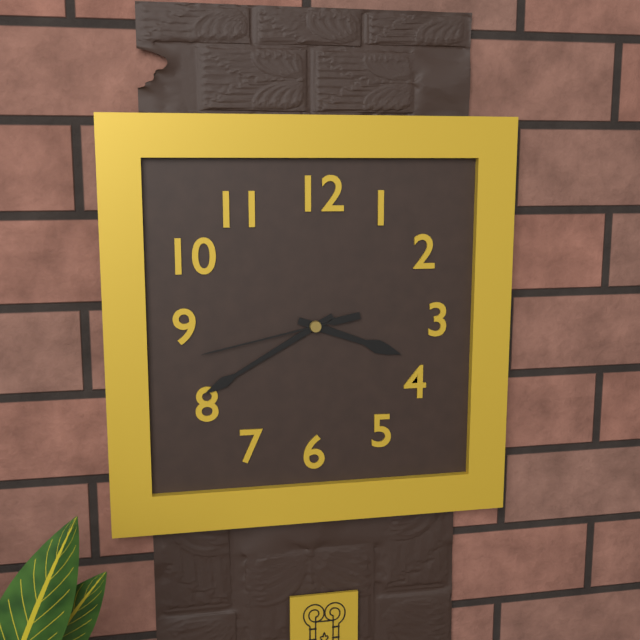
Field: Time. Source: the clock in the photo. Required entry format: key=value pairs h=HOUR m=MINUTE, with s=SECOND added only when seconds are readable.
h=3 m=40 s=43
